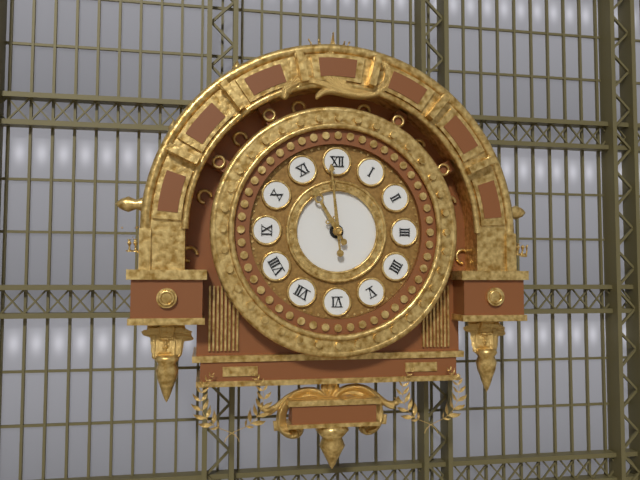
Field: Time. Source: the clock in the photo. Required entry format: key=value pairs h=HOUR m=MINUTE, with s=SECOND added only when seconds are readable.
h=10 m=59
